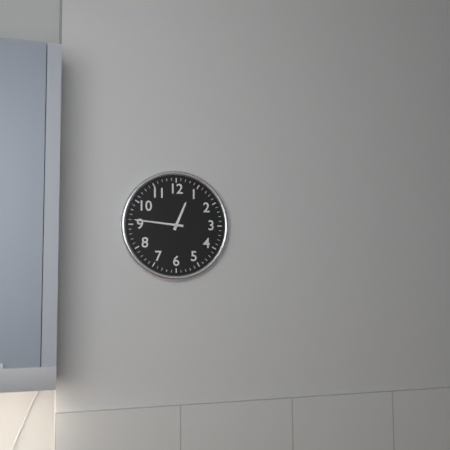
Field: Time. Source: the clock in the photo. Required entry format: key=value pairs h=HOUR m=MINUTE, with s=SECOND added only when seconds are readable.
h=12 m=46
